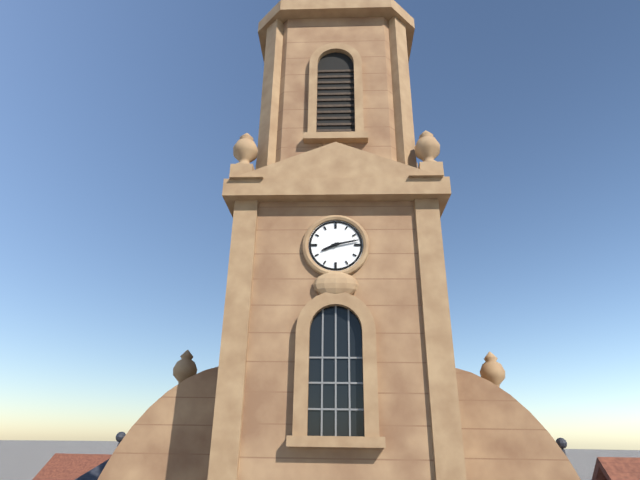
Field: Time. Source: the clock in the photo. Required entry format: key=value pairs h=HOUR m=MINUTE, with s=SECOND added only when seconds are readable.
h=8 m=13
